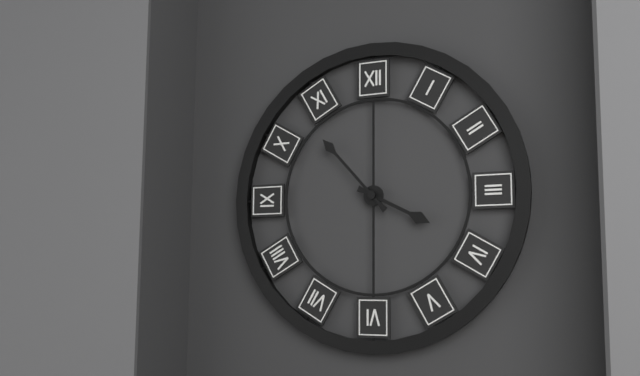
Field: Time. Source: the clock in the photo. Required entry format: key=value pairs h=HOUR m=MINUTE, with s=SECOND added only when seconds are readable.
h=3 m=53
